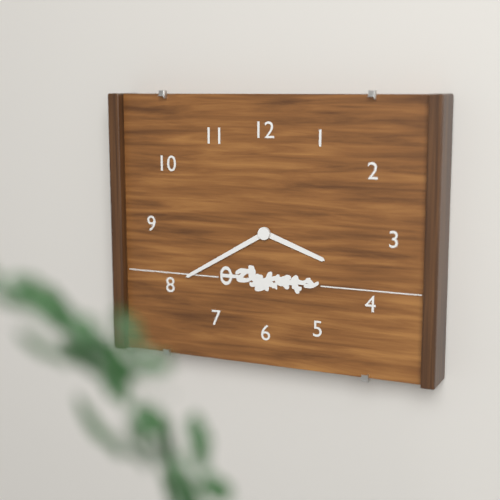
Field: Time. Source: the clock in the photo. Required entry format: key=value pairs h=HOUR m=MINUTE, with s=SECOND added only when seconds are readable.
h=3 m=40
